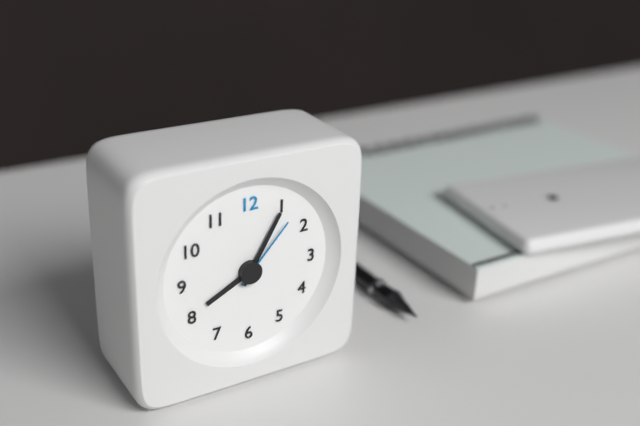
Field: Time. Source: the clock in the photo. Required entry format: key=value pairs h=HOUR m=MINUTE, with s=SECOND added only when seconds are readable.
h=8 m=5 s=7
